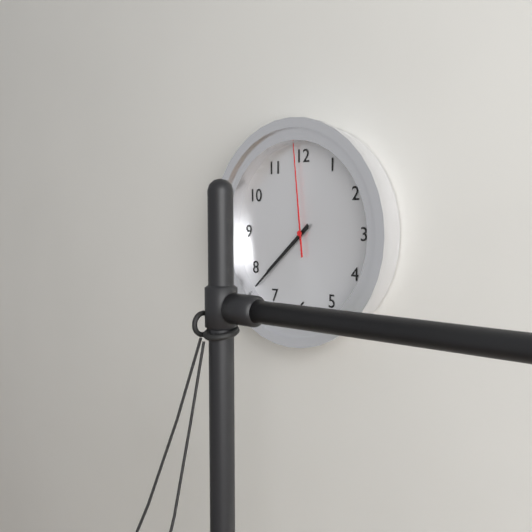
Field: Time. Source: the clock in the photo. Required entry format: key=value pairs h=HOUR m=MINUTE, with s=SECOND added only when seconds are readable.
h=7 m=38 s=59
